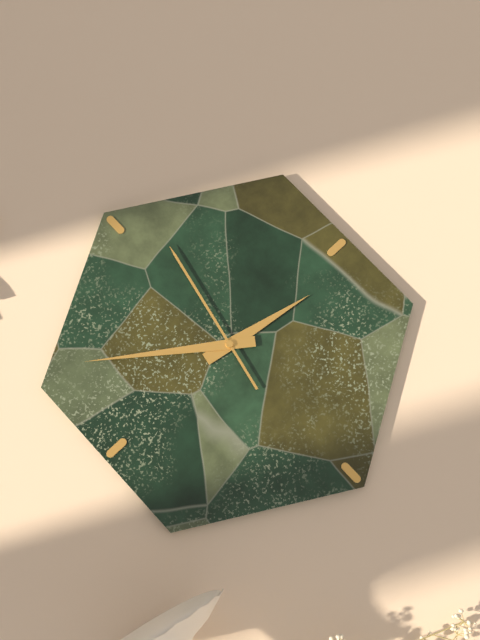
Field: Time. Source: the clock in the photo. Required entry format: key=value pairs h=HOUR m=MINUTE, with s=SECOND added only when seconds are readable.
h=9 m=21 s=32
